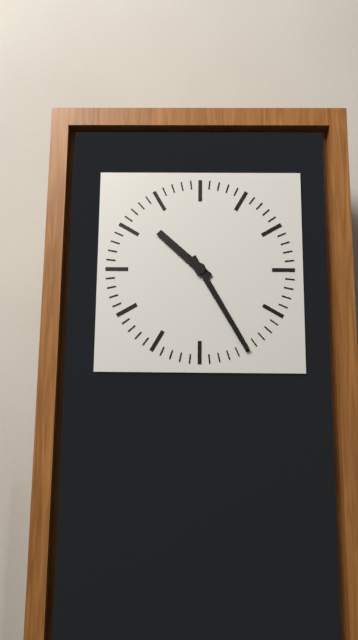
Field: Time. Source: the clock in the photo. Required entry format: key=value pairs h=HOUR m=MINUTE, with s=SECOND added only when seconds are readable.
h=10 m=25
